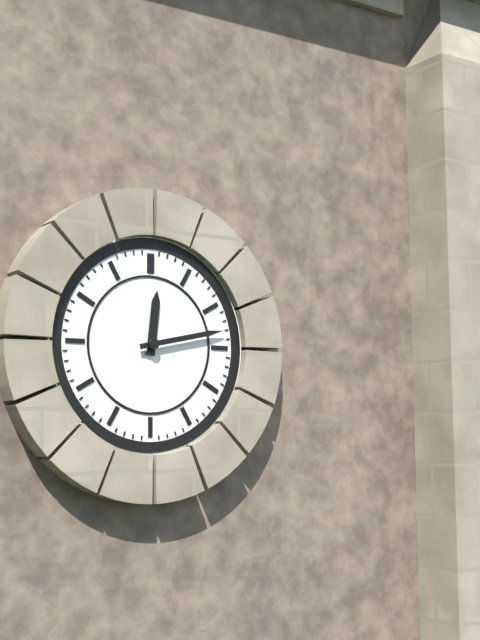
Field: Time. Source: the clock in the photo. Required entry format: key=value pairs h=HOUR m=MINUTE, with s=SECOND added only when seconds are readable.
h=12 m=13
